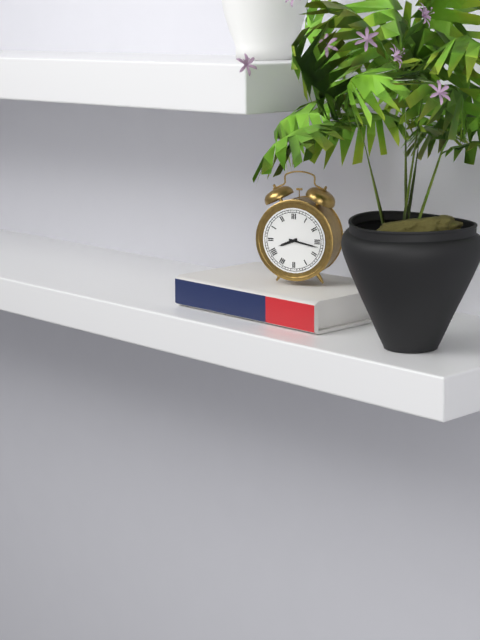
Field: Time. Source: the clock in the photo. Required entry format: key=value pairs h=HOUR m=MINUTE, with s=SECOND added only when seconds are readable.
h=8 m=17
